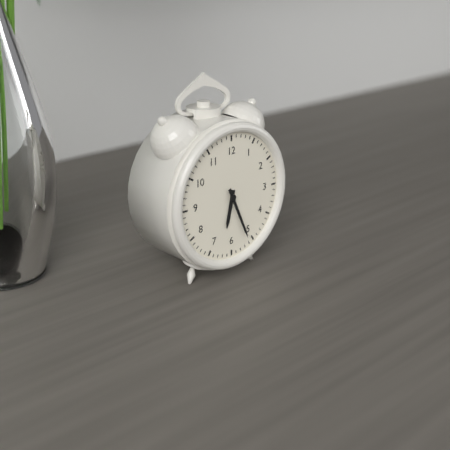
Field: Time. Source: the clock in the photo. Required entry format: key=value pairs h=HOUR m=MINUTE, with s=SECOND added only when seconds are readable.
h=6 m=26
